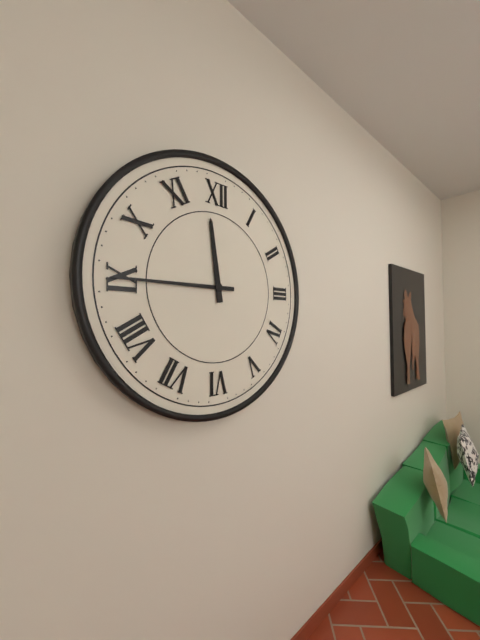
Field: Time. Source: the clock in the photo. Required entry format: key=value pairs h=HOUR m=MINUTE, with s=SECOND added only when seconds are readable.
h=11 m=45
